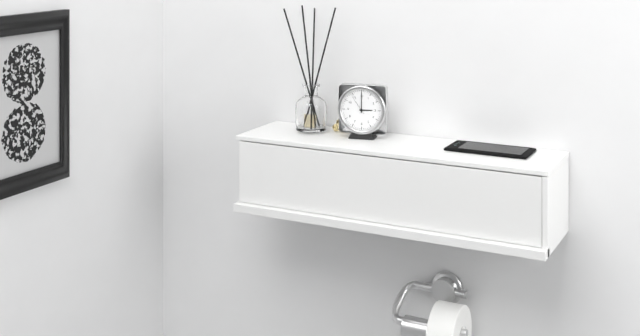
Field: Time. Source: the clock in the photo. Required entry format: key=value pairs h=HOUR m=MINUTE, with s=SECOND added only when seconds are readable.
h=3 m=0
